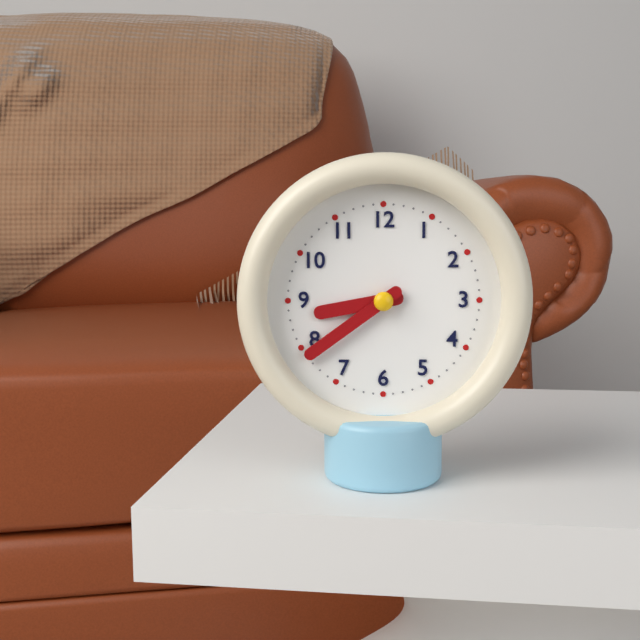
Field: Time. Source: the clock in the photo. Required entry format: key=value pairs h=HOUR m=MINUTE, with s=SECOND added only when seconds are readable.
h=8 m=39
